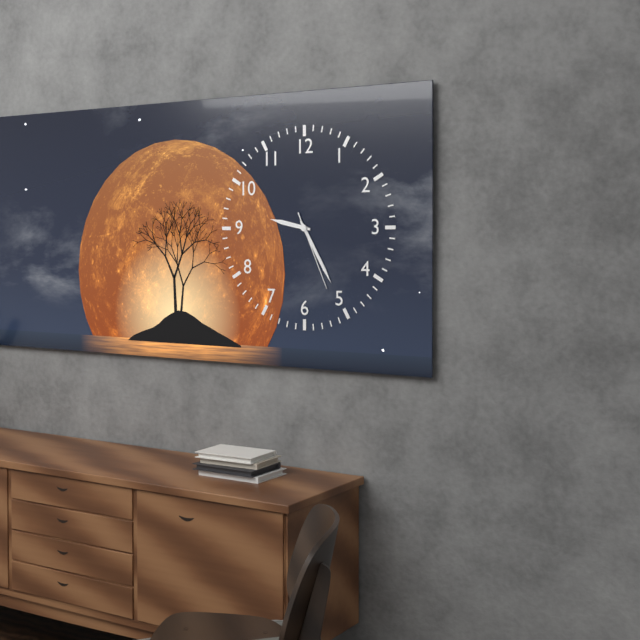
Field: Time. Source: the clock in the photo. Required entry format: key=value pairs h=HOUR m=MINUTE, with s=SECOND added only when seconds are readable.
h=9 m=25 s=26
